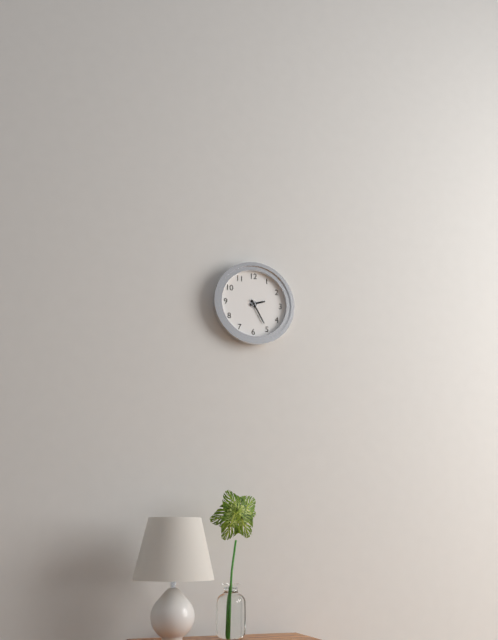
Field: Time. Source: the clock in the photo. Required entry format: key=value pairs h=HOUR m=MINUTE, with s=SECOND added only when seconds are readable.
h=2 m=25
